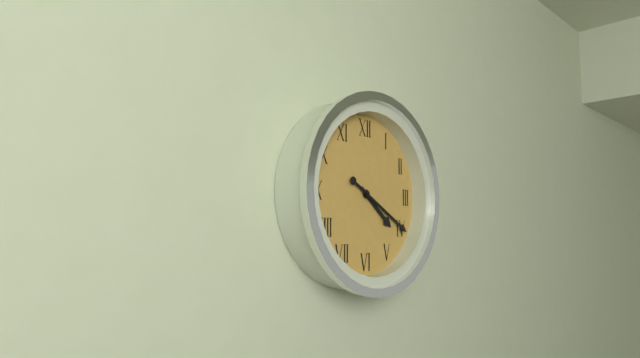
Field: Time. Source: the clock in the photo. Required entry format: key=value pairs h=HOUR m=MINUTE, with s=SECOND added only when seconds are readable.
h=4 m=20
